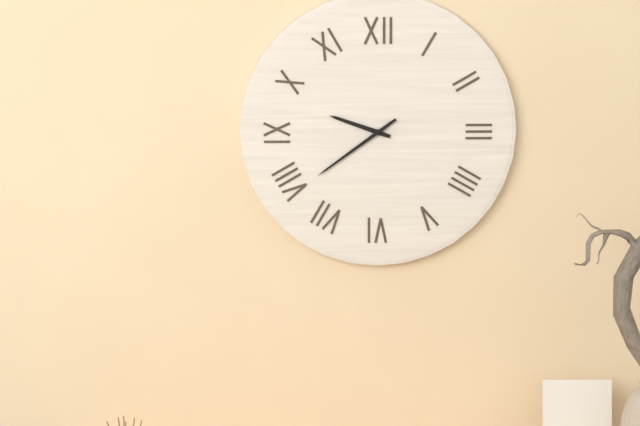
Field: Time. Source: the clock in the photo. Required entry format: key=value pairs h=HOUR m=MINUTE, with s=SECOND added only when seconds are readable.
h=9 m=39
